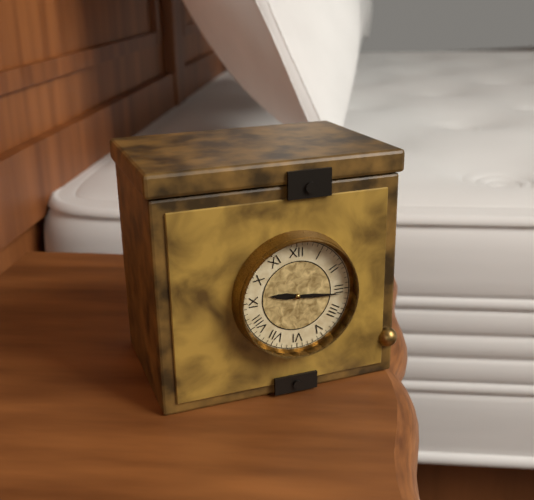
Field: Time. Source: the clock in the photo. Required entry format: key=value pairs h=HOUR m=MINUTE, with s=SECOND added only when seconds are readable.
h=9 m=16
